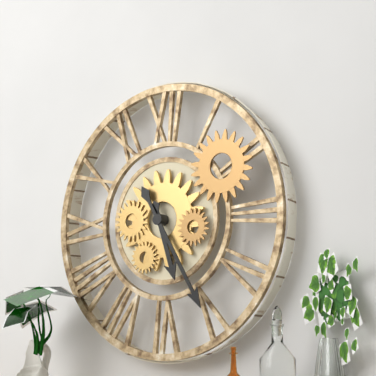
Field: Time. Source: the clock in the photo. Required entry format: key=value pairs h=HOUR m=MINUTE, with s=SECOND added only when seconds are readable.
h=5 m=25
